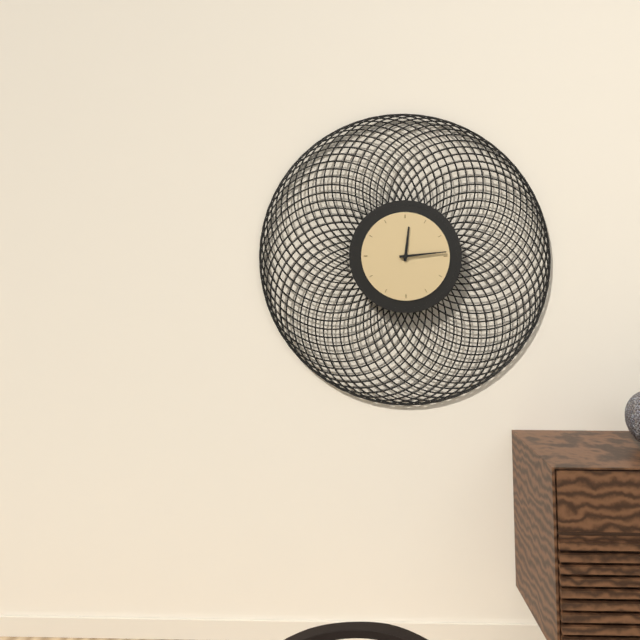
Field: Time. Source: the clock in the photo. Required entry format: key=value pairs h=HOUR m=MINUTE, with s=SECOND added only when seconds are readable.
h=12 m=14
